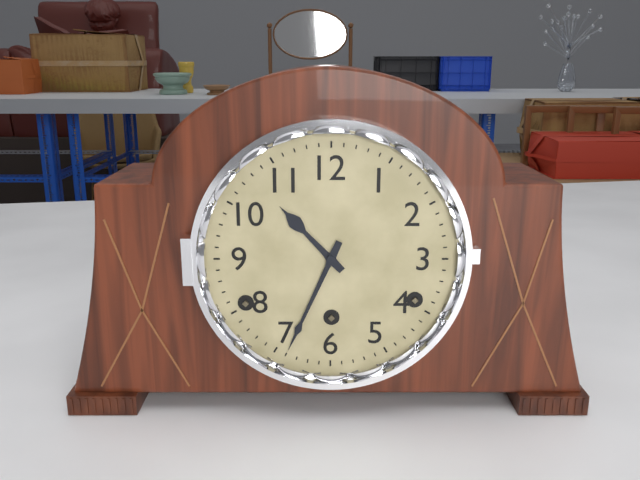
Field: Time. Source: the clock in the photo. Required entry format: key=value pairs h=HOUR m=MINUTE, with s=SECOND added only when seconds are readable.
h=10 m=34
